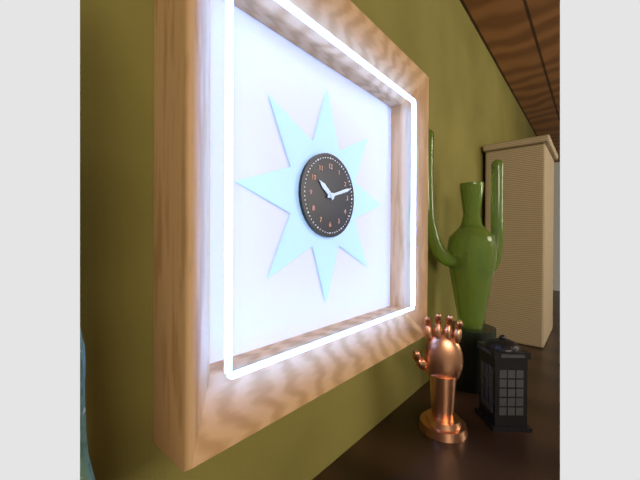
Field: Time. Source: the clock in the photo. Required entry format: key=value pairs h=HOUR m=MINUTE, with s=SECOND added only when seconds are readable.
h=10 m=12
